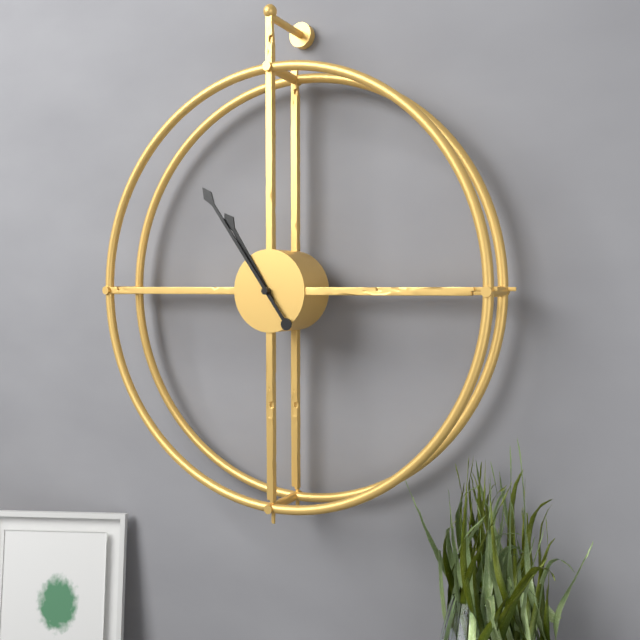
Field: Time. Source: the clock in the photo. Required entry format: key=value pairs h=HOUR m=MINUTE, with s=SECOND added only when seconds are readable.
h=10 m=54
